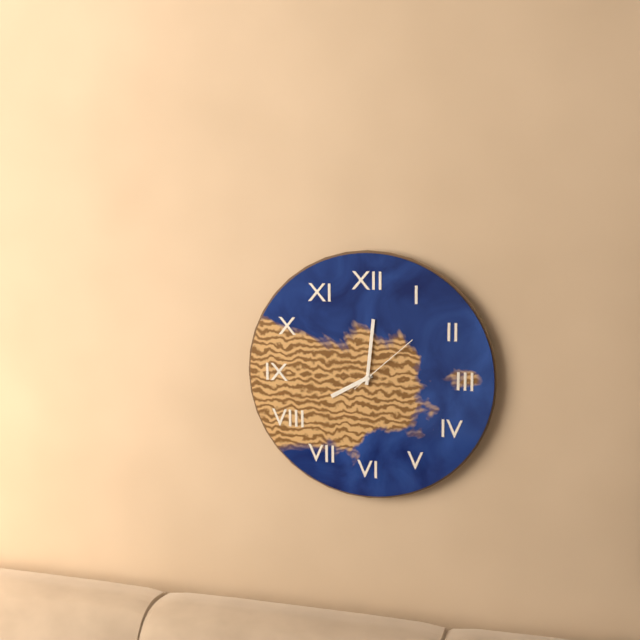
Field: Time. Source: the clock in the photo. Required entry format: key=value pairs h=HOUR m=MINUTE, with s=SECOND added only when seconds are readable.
h=8 m=1 s=8
